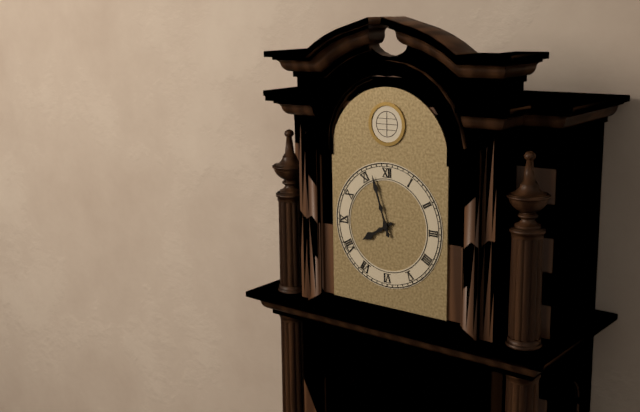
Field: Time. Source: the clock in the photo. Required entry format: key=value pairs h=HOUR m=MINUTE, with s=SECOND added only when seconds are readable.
h=7 m=57
